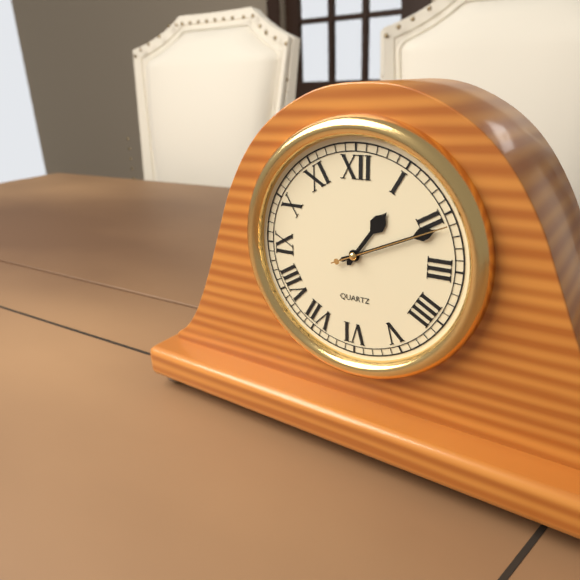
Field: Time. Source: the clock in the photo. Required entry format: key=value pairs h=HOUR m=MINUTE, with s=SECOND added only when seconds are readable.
h=1 m=11 s=11
